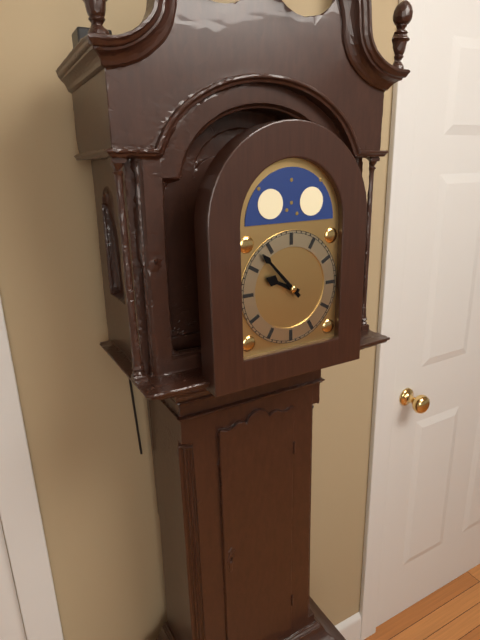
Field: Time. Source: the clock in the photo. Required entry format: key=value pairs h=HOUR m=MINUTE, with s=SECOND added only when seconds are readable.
h=9 m=53
